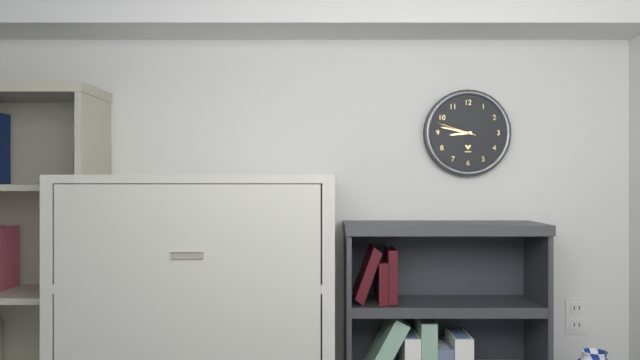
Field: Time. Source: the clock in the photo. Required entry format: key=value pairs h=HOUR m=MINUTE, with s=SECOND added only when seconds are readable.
h=8 m=47
